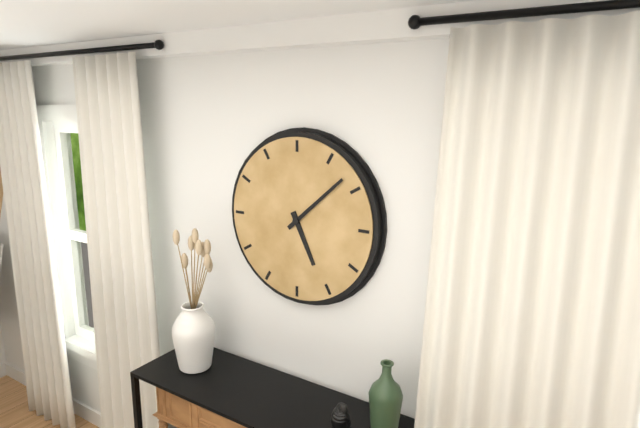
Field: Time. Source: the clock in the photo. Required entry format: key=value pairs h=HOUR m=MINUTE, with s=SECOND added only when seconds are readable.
h=5 m=8
